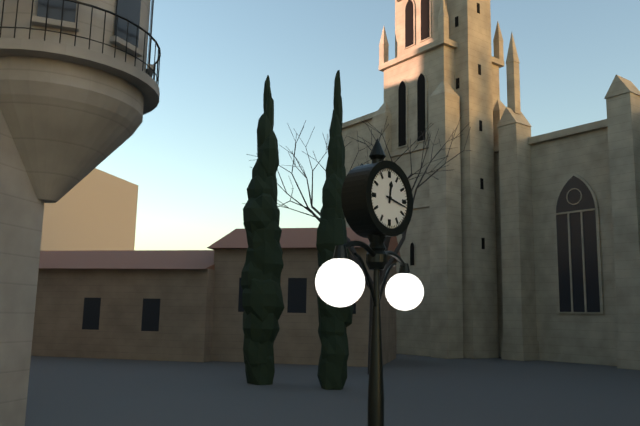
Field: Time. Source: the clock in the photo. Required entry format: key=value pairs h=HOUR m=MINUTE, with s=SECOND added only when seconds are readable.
h=12 m=17
